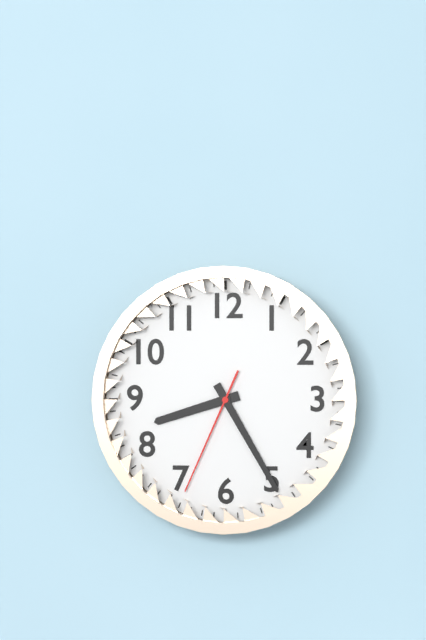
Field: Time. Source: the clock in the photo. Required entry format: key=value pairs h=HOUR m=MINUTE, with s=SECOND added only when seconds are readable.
h=8 m=25 s=34
